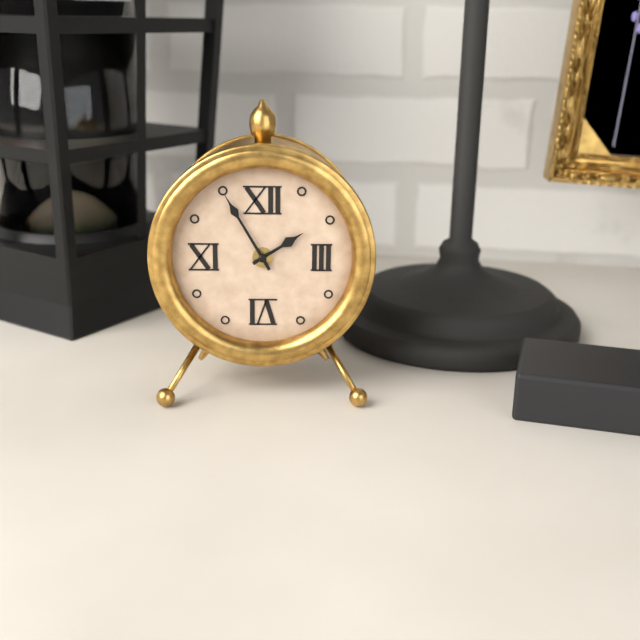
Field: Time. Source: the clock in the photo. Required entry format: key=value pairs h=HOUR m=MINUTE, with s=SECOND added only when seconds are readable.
h=1 m=55
